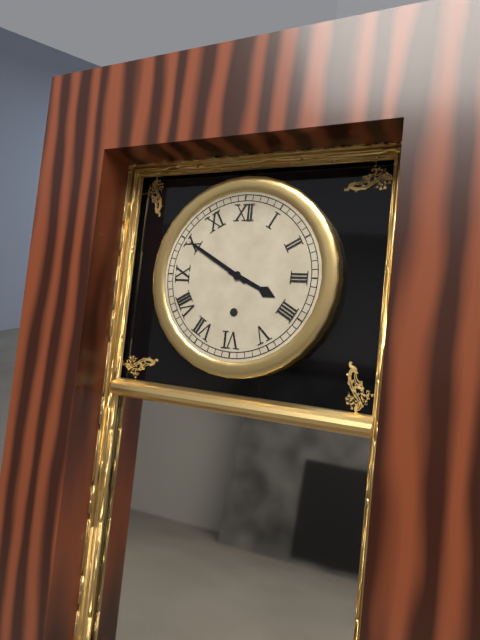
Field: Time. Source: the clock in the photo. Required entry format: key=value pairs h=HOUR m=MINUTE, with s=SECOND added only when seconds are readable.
h=3 m=50
